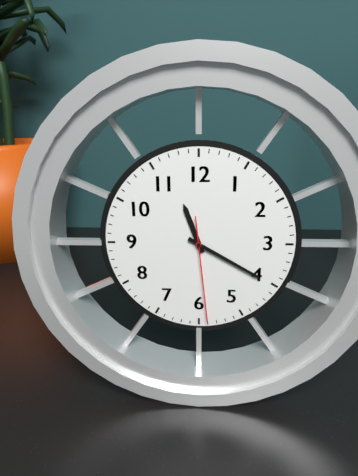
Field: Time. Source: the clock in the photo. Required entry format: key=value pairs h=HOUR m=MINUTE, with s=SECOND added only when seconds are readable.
h=11 m=20 s=29
